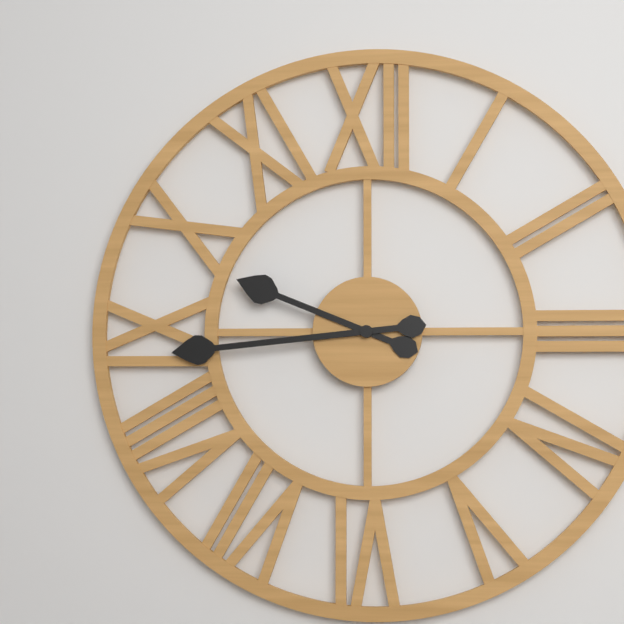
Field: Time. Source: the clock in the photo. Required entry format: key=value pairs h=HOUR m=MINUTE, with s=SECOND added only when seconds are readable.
h=9 m=44
